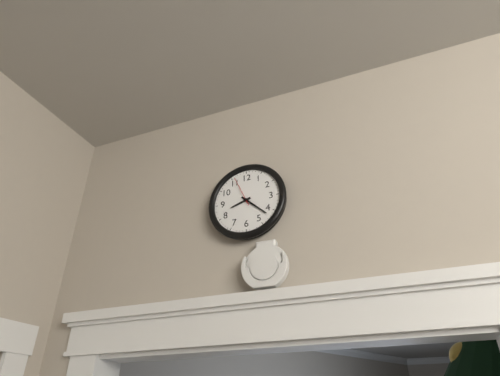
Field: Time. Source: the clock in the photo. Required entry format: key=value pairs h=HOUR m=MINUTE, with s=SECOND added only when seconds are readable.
h=8 m=22
